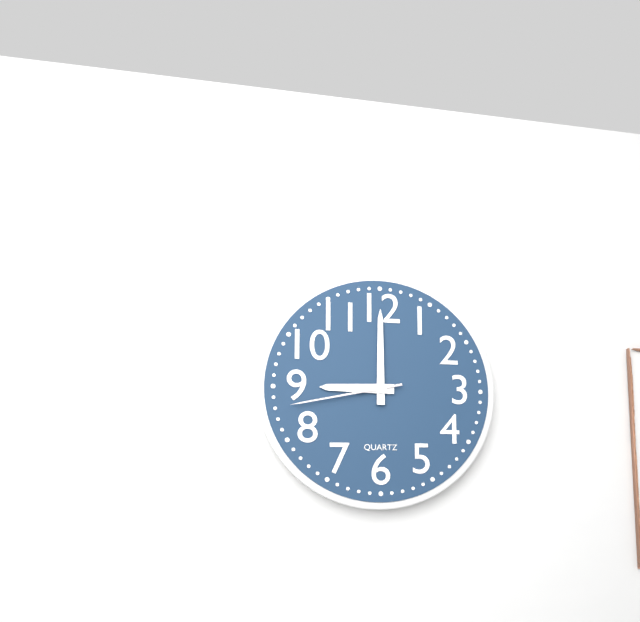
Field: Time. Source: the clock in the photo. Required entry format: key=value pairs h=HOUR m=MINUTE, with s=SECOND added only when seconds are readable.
h=9 m=0 s=43
